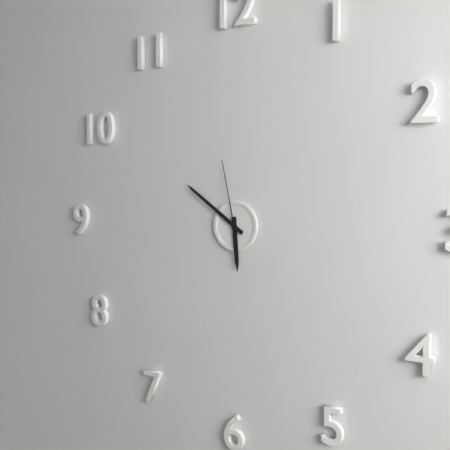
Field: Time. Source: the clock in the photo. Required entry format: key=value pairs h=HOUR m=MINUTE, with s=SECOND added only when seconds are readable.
h=5 m=51 s=58
